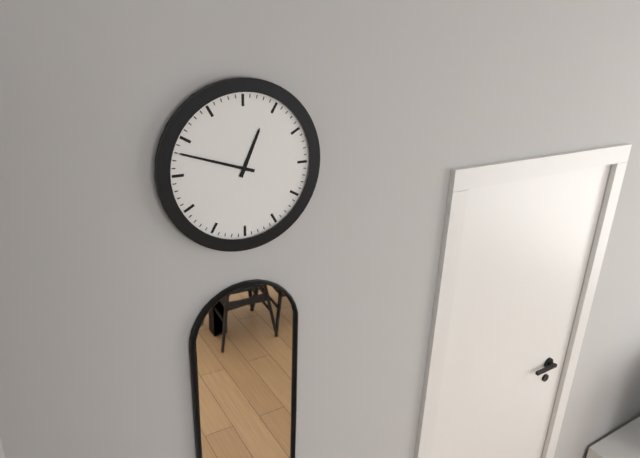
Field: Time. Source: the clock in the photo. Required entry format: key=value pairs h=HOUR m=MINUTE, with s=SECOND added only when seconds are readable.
h=12 m=48
